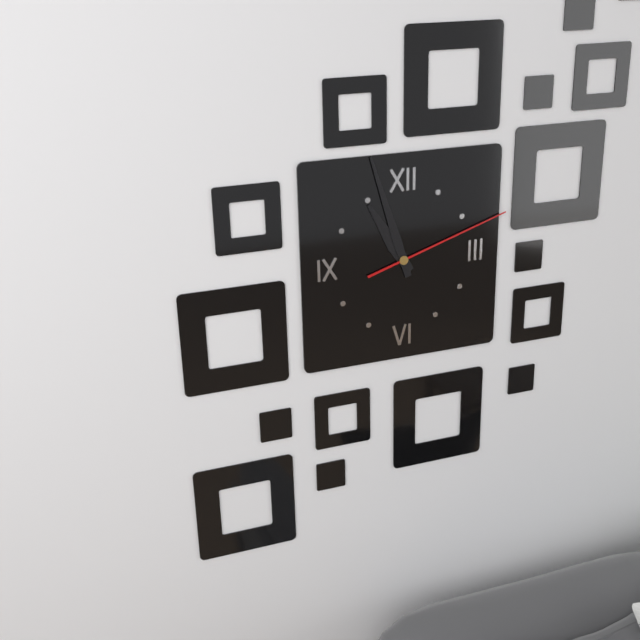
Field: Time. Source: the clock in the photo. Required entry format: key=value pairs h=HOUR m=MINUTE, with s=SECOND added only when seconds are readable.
h=10 m=57 s=12
